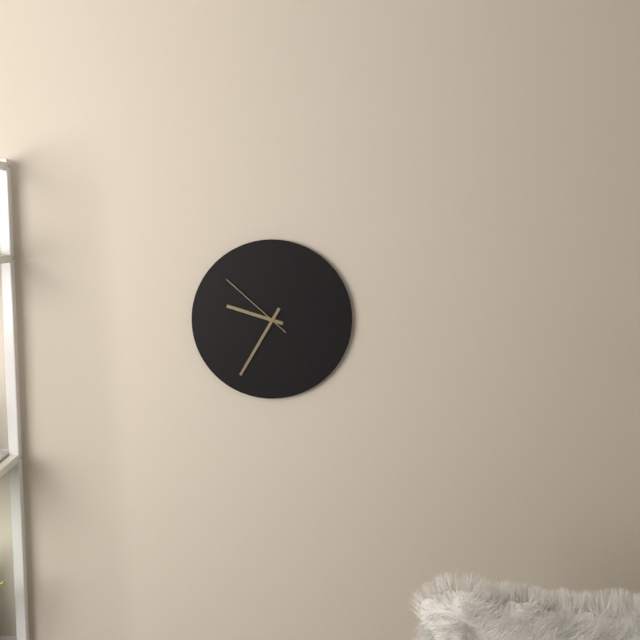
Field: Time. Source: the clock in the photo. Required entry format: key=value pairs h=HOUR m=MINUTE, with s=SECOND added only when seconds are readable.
h=9 m=35 s=52
